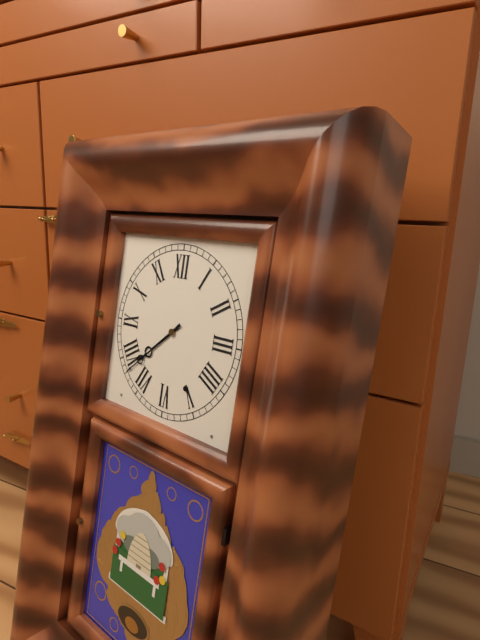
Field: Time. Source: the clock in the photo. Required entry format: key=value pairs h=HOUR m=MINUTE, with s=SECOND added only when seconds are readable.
h=7 m=38
